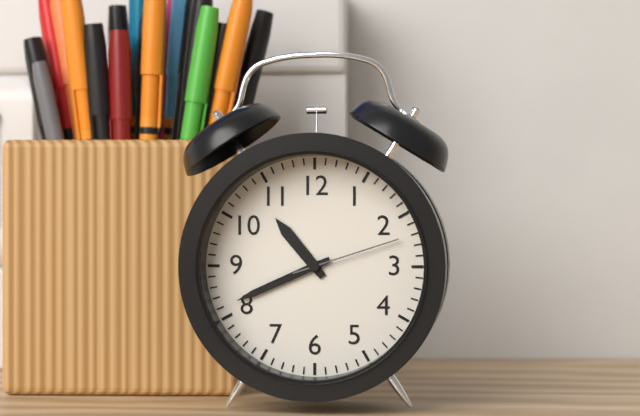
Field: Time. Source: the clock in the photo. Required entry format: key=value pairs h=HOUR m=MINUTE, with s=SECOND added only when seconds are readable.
h=10 m=41 s=12
